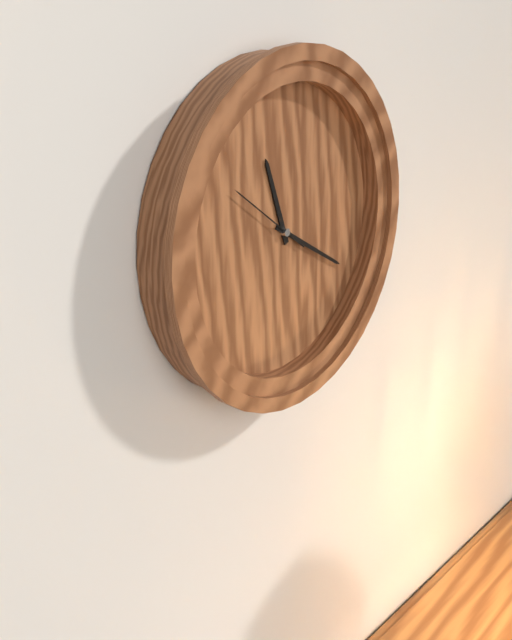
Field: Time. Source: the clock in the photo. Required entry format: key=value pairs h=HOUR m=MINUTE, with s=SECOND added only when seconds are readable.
h=11 m=20 s=51
